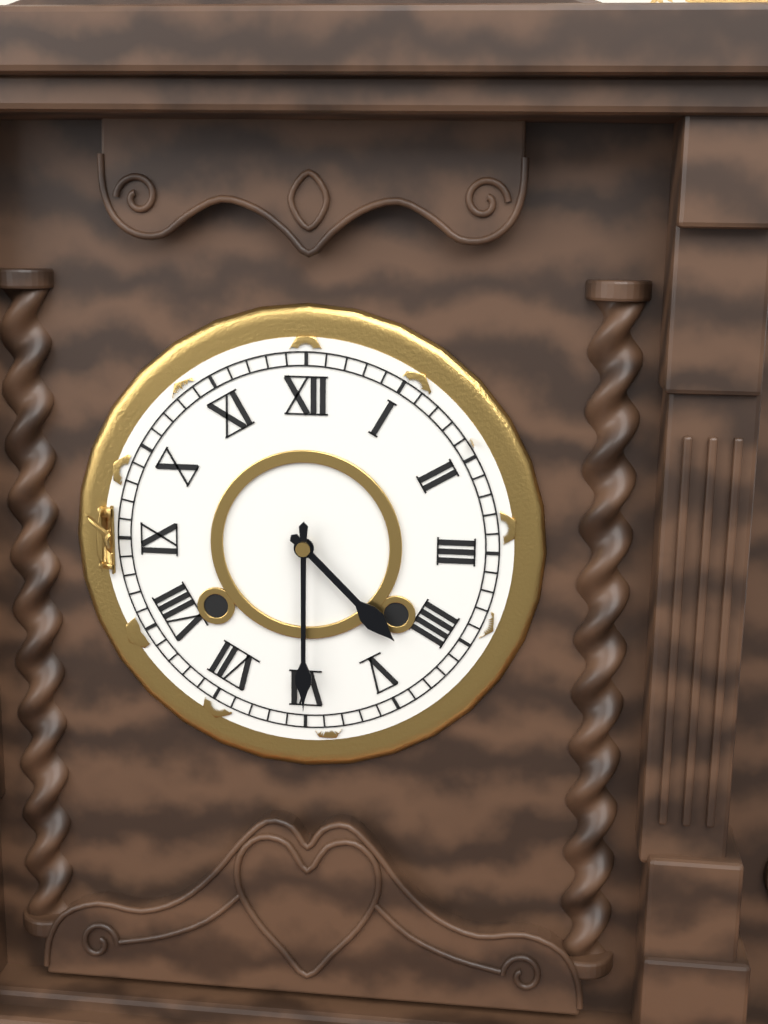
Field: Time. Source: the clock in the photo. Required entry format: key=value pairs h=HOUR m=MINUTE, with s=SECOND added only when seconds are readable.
h=4 m=30
